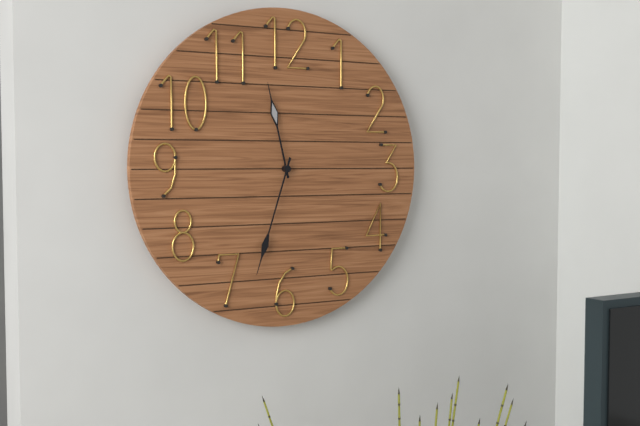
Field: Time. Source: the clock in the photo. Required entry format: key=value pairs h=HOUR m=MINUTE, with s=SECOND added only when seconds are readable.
h=11 m=33
